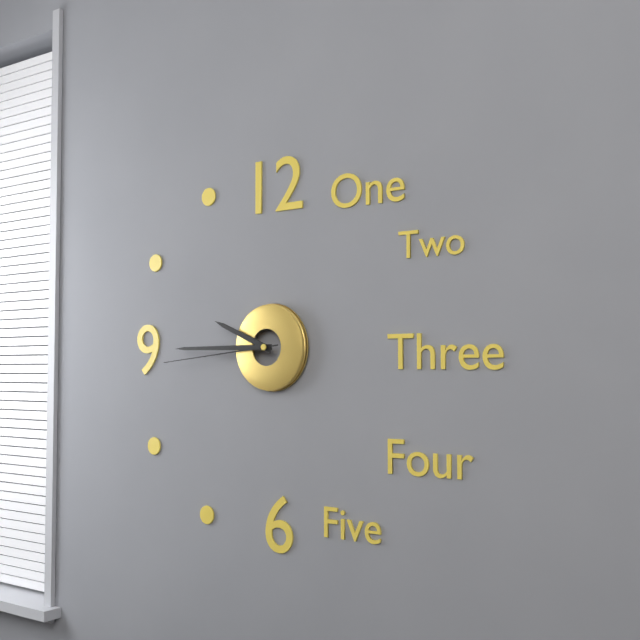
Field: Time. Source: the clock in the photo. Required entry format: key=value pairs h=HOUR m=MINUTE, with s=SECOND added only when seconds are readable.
h=9 m=45 s=44
